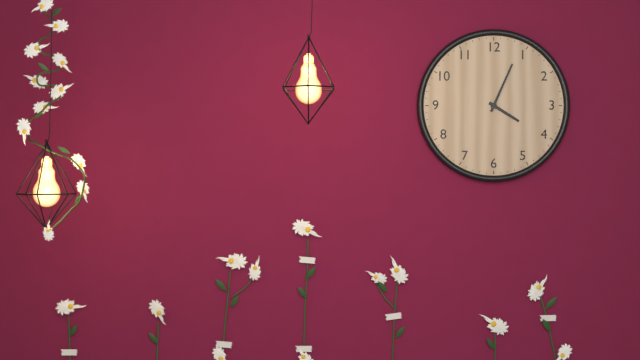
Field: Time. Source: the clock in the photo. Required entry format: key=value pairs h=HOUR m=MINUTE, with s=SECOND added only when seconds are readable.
h=4 m=4
